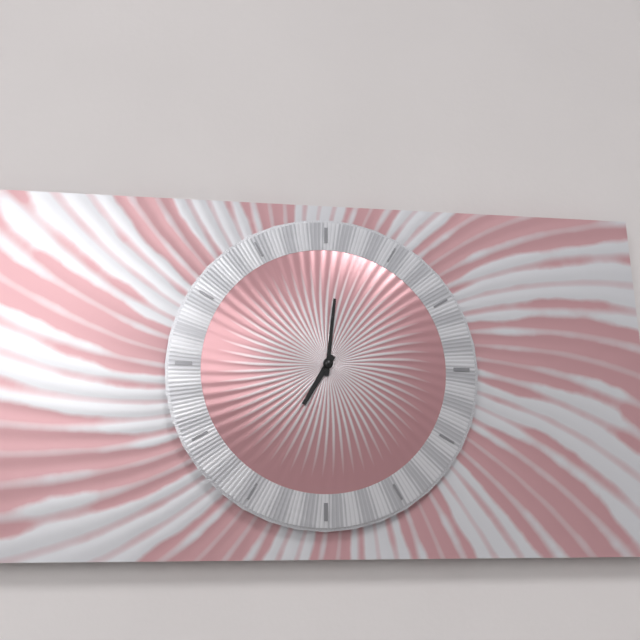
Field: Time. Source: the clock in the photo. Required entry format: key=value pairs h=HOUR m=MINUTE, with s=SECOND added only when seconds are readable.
h=7 m=1
